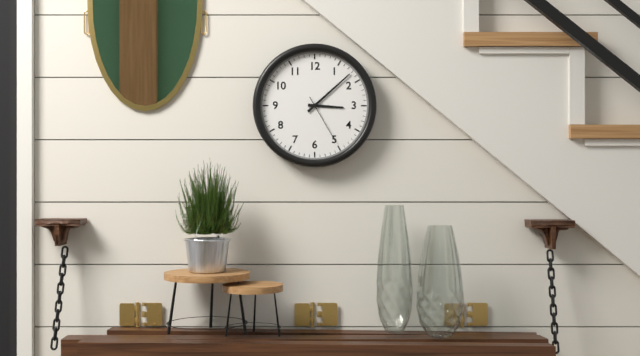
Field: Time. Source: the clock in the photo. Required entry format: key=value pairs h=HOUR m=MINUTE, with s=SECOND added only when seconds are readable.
h=3 m=8 s=25
